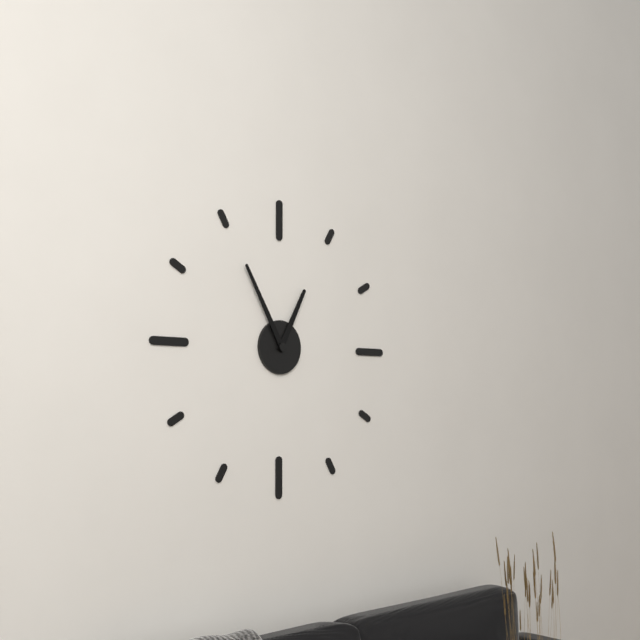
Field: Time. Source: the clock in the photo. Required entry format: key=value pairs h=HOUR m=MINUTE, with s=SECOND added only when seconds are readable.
h=12 m=55
